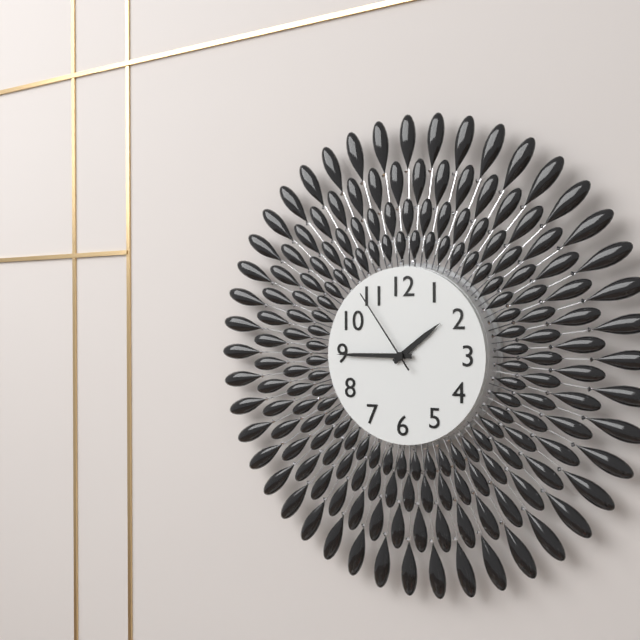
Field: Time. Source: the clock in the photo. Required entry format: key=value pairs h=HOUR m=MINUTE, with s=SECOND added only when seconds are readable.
h=1 m=45 s=54
